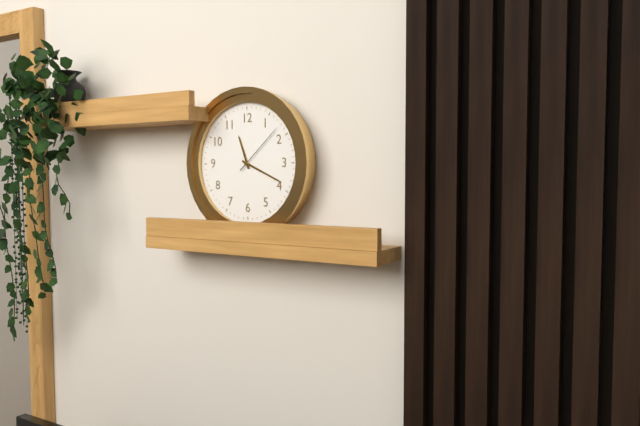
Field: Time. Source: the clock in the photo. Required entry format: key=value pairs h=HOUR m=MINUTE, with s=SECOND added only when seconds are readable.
h=11 m=19 s=8
